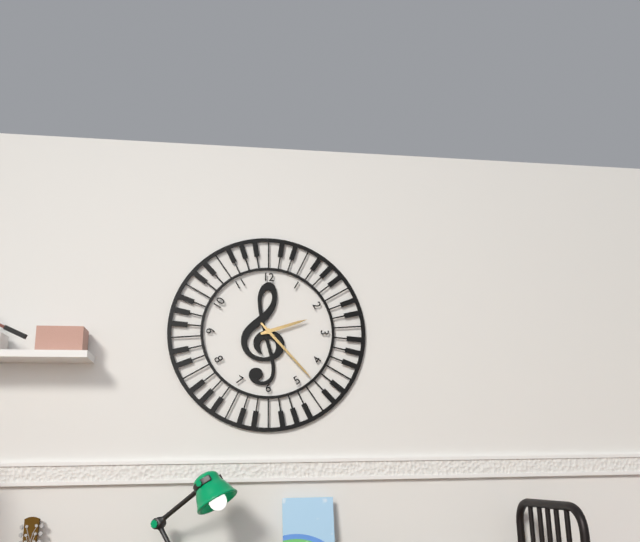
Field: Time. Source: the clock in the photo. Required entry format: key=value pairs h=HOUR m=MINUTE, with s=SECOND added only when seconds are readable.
h=2 m=23
